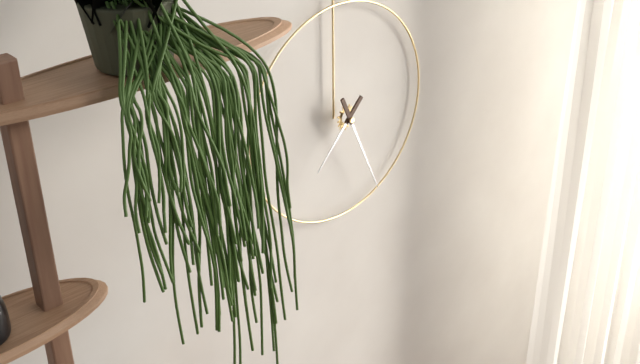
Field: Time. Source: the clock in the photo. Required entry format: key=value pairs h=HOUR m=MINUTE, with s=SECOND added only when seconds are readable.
h=7 m=26
